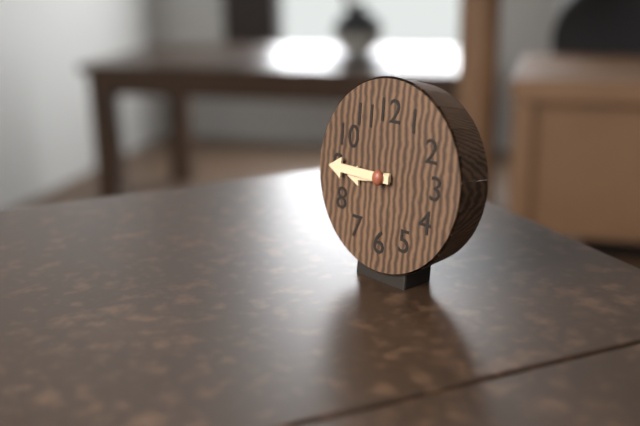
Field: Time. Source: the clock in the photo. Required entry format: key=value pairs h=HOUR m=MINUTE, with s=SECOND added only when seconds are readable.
h=8 m=45
